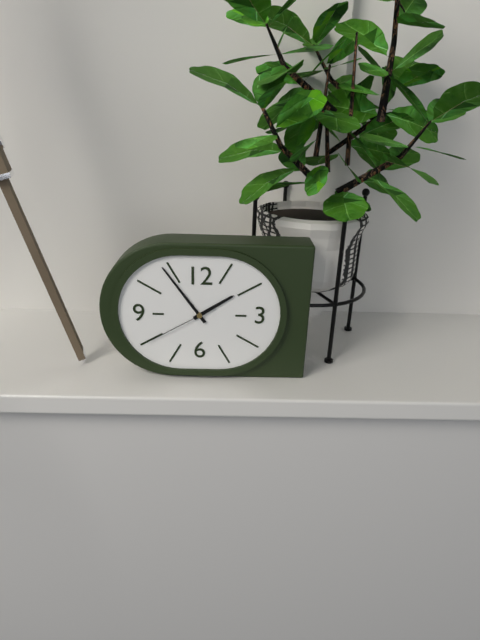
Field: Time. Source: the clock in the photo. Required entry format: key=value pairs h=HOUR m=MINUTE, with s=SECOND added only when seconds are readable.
h=1 m=54 s=40
